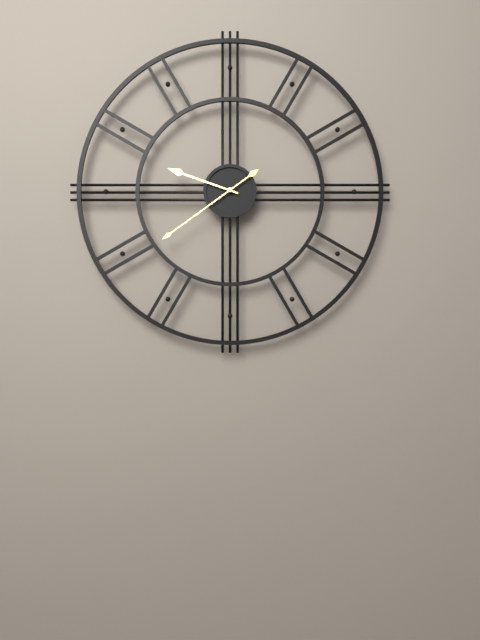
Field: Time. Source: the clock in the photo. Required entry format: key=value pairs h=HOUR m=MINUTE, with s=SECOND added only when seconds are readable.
h=9 m=39
